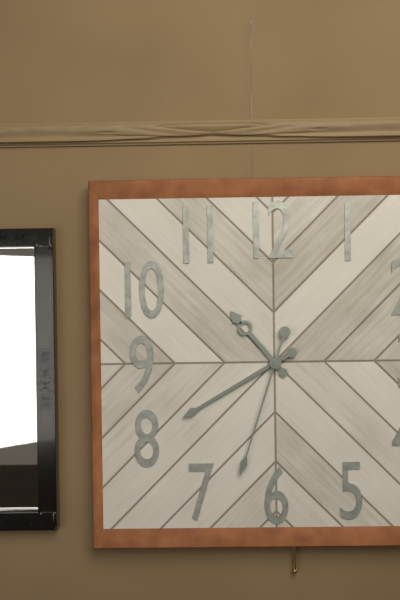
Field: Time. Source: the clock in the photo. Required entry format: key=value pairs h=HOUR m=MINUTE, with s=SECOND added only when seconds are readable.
h=10 m=40 s=33
